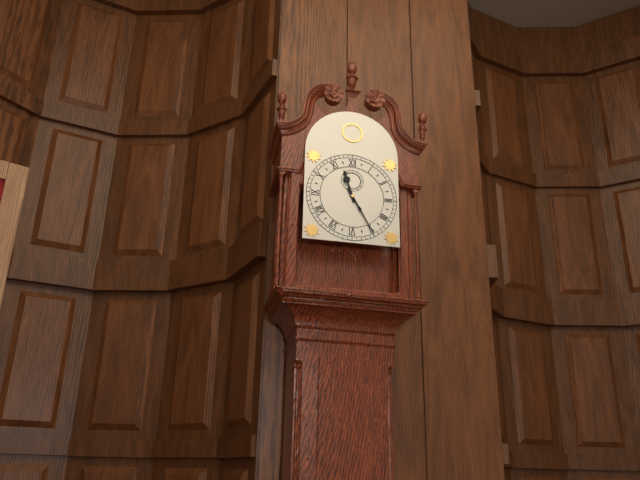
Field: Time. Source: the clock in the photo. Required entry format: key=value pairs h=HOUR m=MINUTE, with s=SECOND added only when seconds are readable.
h=11 m=25
